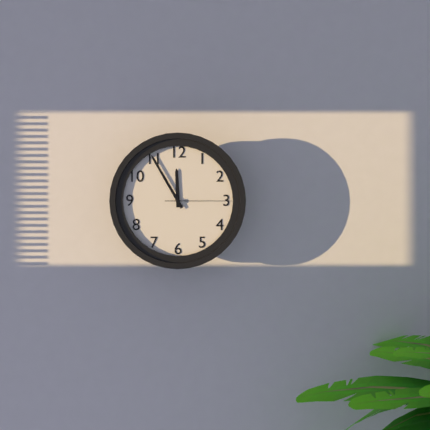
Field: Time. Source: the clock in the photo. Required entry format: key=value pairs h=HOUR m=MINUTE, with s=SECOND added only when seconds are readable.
h=11 m=55 s=15
